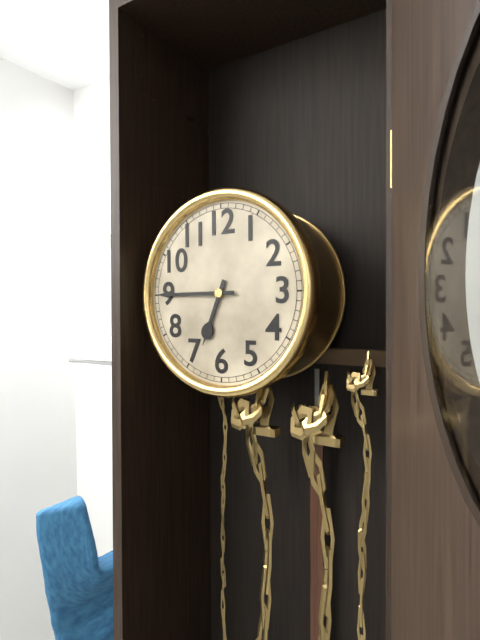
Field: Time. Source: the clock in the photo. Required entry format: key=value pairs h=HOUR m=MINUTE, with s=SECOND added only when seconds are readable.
h=6 m=45
